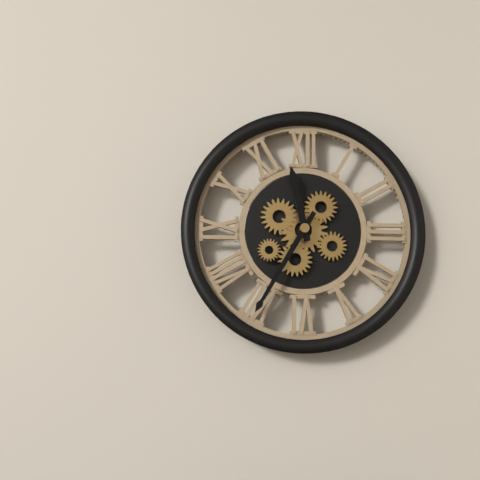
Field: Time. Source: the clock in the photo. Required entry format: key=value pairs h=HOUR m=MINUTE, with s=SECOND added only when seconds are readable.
h=11 m=35
